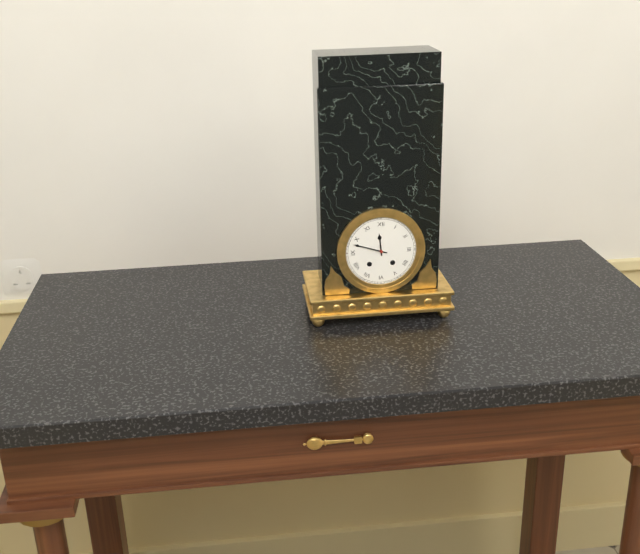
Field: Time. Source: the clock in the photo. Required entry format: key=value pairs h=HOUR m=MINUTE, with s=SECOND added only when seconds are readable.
h=11 m=48
